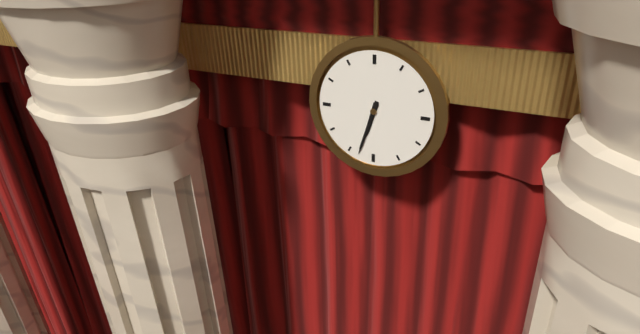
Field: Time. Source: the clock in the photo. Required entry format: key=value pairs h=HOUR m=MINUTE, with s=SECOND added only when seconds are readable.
h=6 m=33
